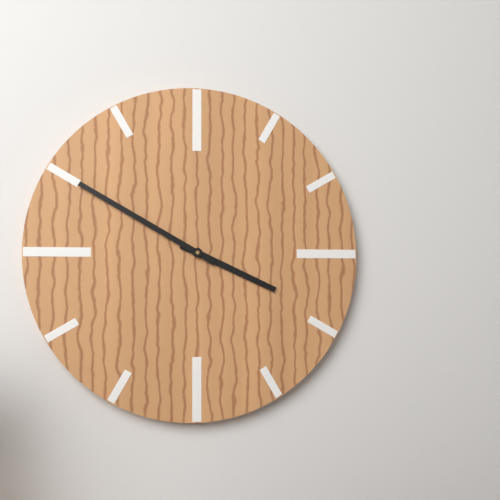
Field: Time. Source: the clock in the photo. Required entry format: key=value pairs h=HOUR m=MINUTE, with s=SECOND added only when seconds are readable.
h=3 m=50
